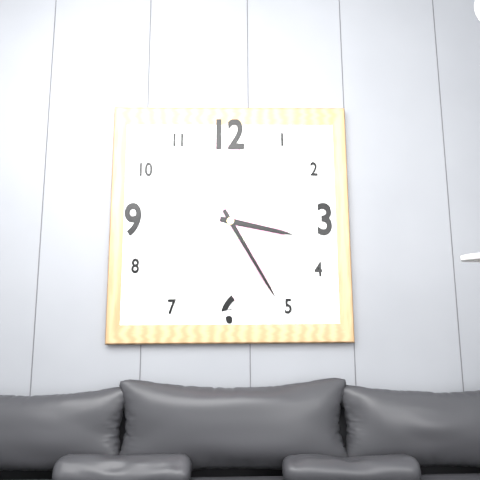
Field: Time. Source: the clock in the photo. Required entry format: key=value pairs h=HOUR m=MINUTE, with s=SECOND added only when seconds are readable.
h=3 m=25
